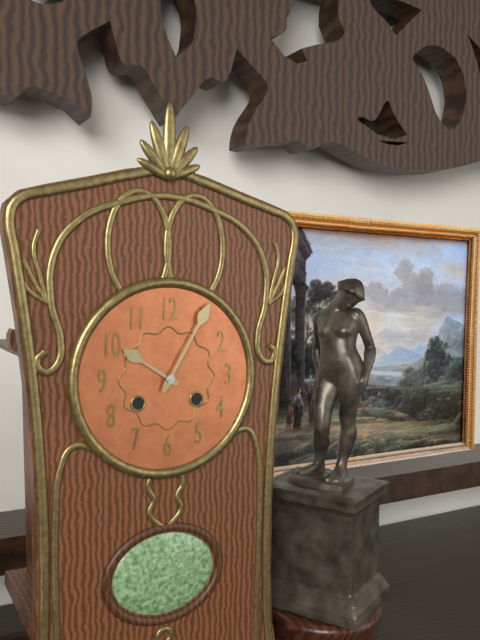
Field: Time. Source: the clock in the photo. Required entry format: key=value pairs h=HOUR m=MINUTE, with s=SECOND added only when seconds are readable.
h=10 m=5
